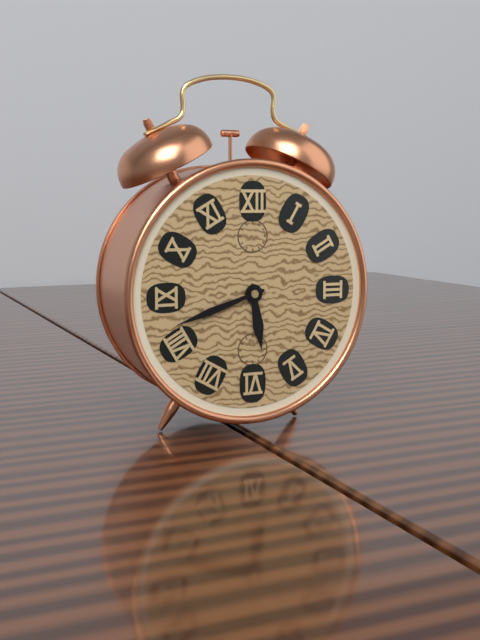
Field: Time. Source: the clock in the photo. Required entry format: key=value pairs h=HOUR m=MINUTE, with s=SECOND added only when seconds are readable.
h=5 m=42
